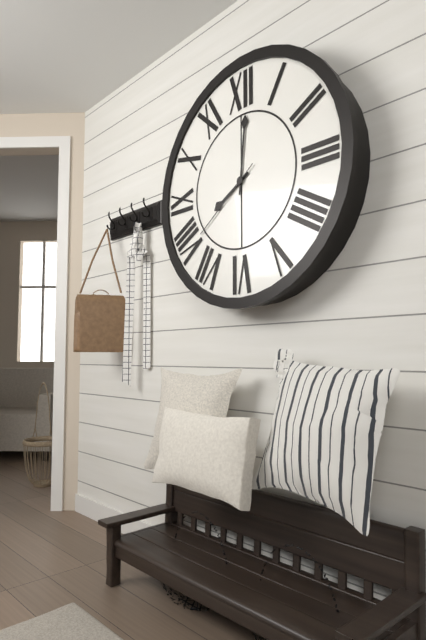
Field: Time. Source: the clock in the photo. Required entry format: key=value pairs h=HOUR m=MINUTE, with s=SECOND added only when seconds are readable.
h=8 m=1 s=39
